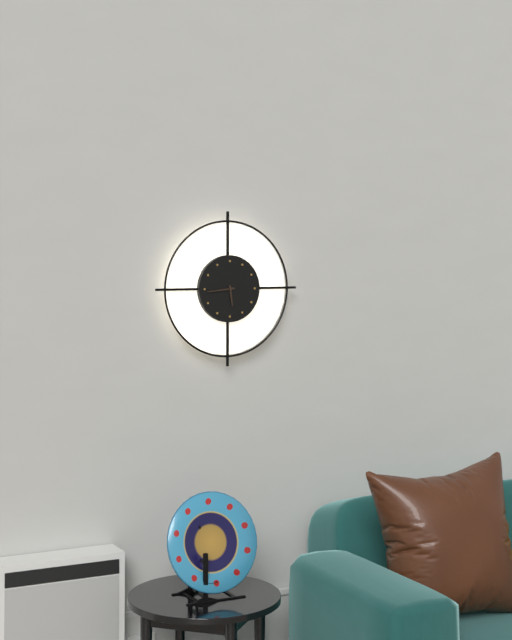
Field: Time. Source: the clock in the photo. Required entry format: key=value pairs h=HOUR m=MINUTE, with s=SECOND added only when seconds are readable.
h=5 m=44
